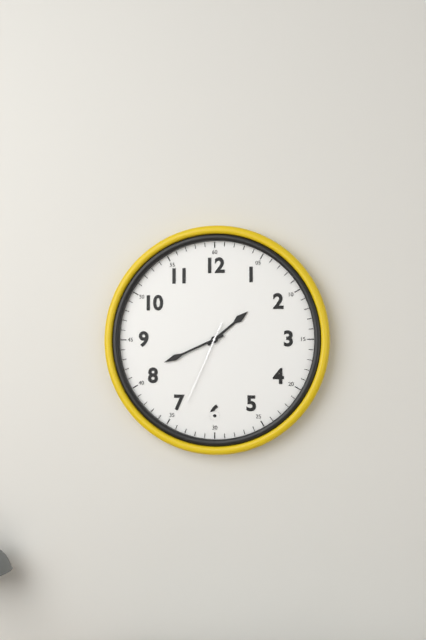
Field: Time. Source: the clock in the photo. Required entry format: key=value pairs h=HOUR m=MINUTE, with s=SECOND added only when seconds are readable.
h=1 m=41 s=34
